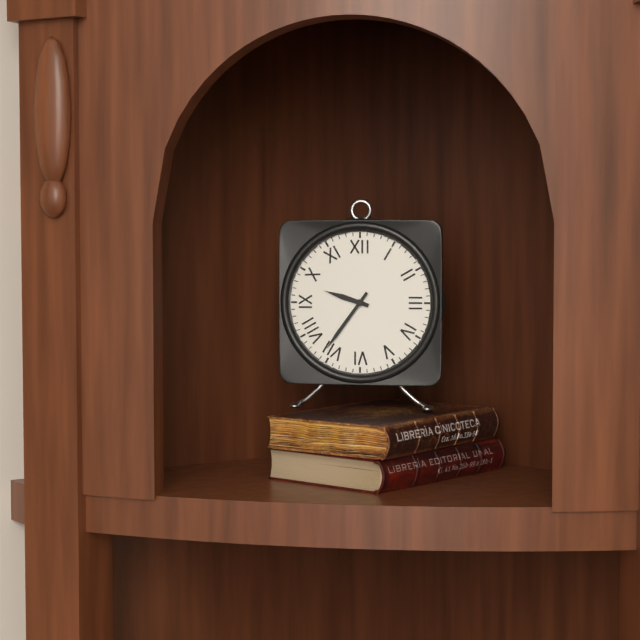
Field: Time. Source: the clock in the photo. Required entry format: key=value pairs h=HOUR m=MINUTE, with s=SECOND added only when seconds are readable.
h=9 m=36
